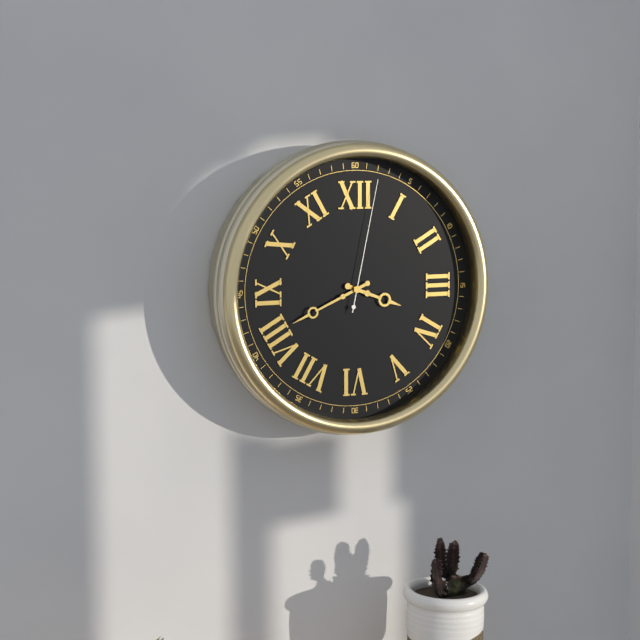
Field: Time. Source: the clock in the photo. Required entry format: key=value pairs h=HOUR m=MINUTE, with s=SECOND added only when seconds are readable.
h=3 m=41 s=2
